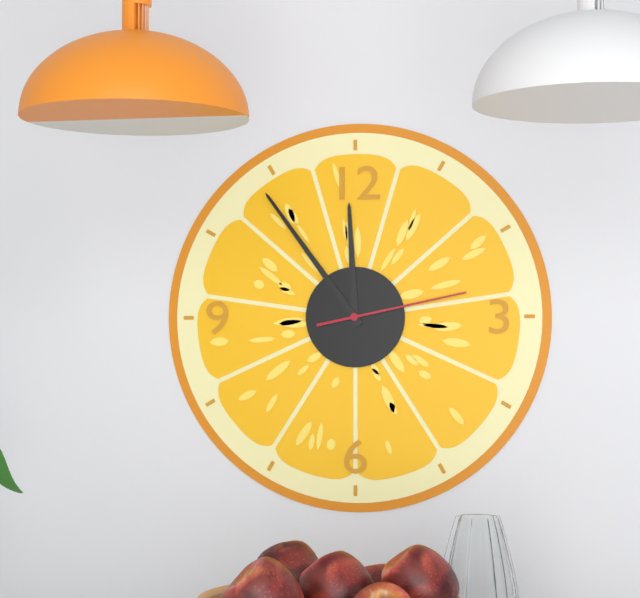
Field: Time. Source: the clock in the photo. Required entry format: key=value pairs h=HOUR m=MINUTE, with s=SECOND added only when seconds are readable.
h=11 m=54 s=13
